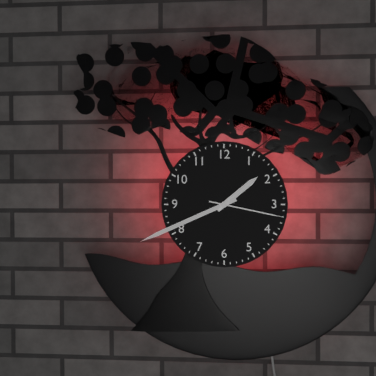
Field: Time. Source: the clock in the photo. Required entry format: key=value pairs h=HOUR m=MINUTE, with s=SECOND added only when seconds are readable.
h=1 m=41 s=17
